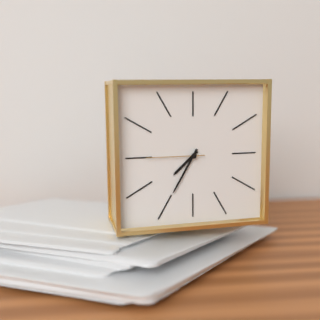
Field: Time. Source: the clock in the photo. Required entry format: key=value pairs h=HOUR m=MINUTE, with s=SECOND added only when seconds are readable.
h=7 m=35 s=45
